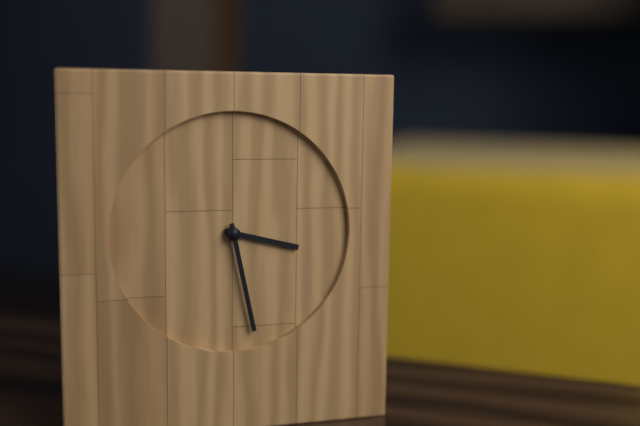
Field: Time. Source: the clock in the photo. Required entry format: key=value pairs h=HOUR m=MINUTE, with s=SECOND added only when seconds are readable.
h=3 m=28
